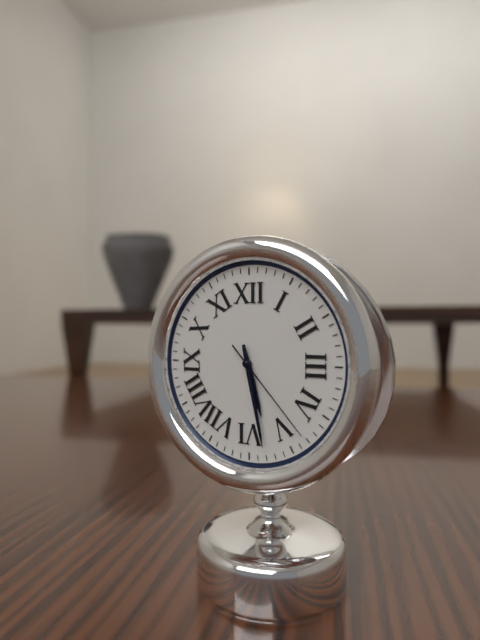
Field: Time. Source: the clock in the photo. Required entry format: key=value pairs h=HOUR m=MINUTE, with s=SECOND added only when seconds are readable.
h=5 m=28 s=23
